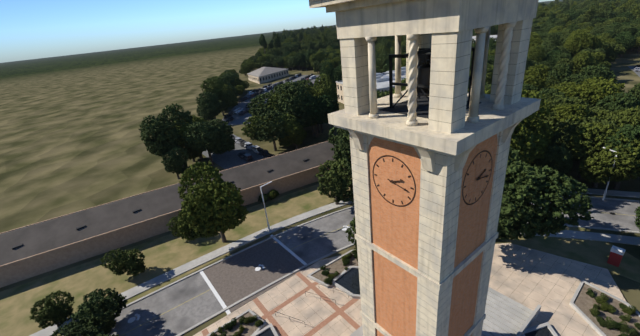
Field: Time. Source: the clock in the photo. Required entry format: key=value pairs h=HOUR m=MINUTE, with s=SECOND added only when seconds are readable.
h=2 m=17
